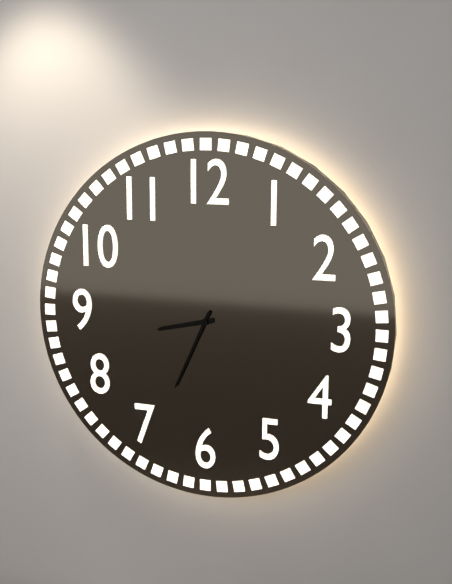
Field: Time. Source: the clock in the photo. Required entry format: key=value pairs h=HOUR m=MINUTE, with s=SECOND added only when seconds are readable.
h=8 m=34
